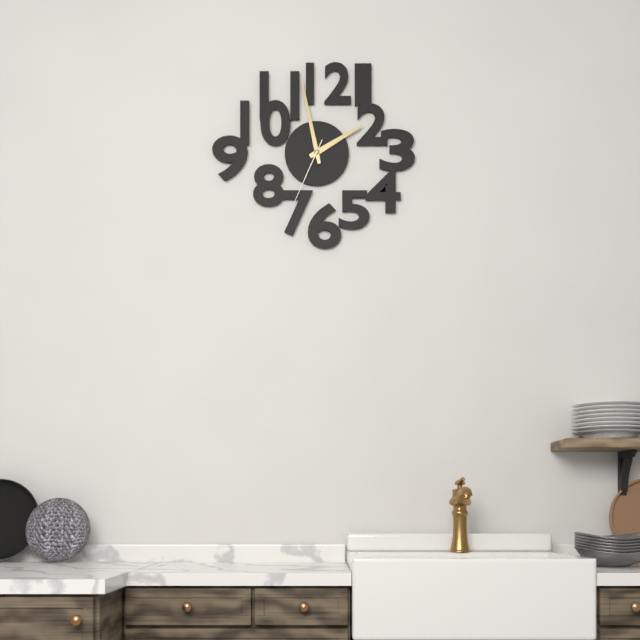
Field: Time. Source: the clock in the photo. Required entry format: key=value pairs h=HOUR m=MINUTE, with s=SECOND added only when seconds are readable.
h=1 m=58 s=34
